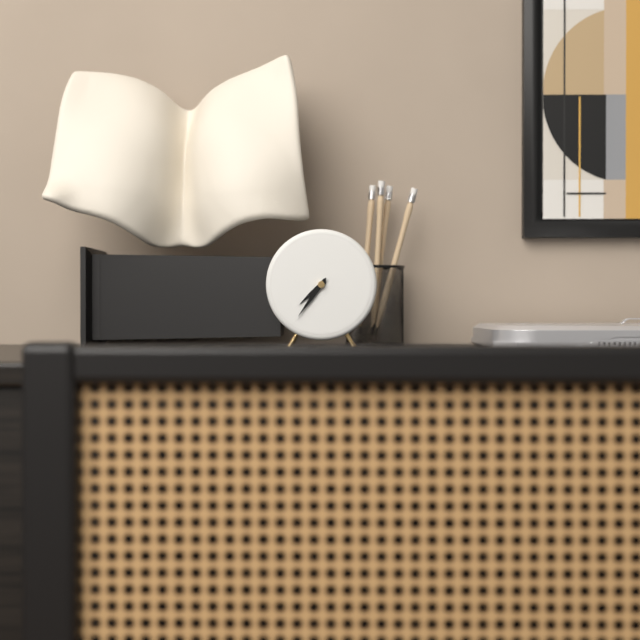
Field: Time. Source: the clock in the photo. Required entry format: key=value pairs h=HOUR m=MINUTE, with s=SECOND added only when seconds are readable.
h=7 m=36
